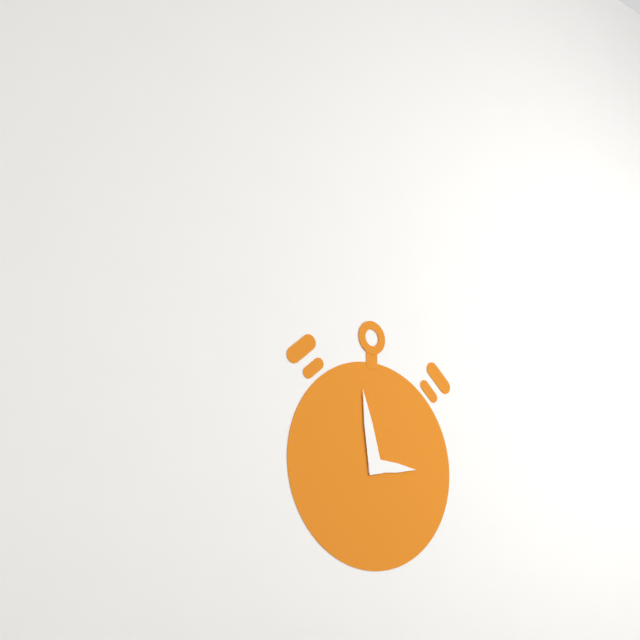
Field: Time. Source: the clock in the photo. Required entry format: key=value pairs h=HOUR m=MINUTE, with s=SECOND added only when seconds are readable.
h=2 m=58
